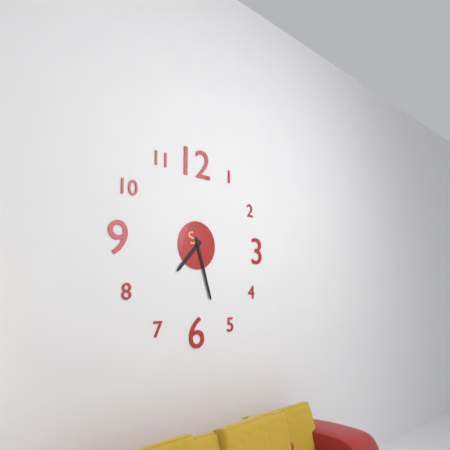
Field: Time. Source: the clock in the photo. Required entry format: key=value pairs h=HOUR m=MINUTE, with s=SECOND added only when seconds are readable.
h=7 m=27
